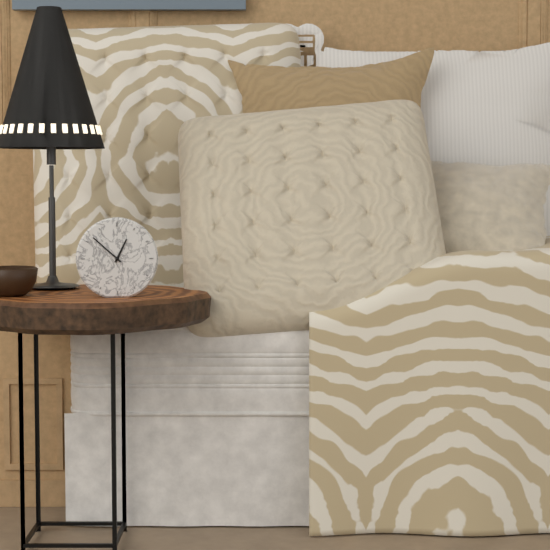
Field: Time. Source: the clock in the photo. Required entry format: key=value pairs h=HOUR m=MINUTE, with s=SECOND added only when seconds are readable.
h=12 m=52
